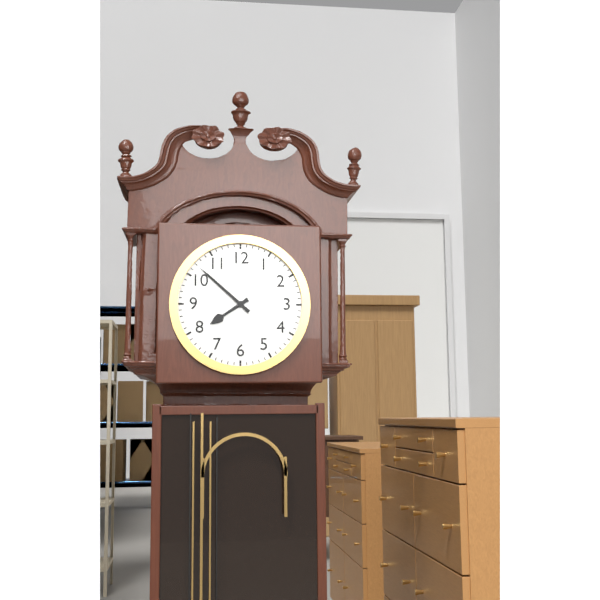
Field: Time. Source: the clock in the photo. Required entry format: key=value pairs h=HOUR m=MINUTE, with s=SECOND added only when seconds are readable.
h=7 m=52
